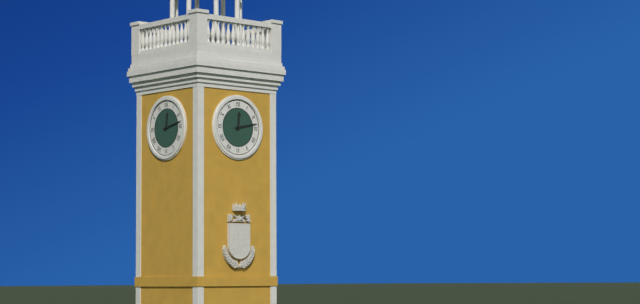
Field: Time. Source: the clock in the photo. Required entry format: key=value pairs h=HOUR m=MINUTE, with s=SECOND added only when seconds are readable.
h=12 m=13
